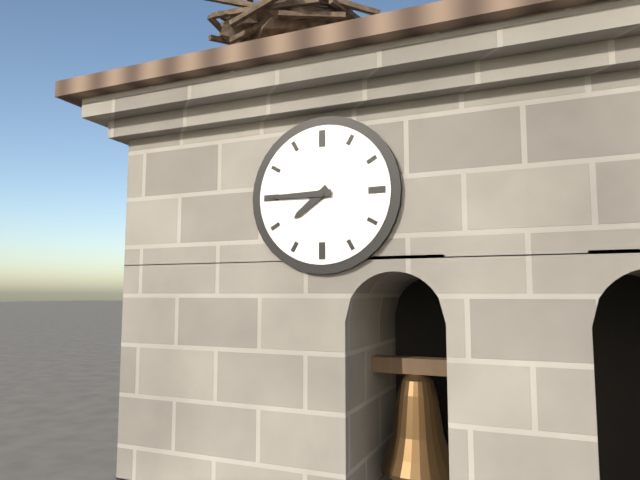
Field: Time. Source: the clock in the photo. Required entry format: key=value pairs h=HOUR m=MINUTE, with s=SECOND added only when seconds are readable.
h=7 m=45
